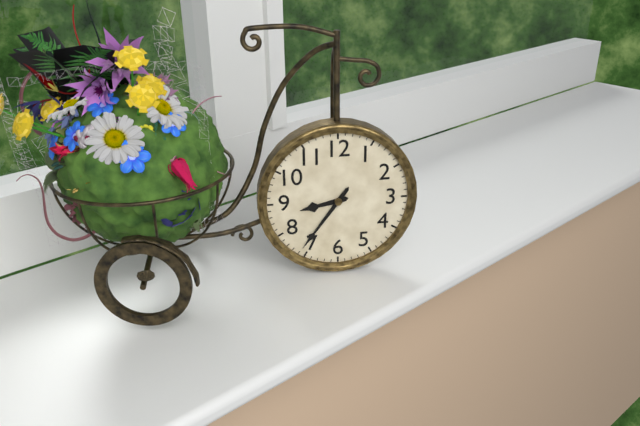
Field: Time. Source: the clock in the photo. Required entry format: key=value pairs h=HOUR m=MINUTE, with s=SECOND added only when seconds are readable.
h=8 m=36
